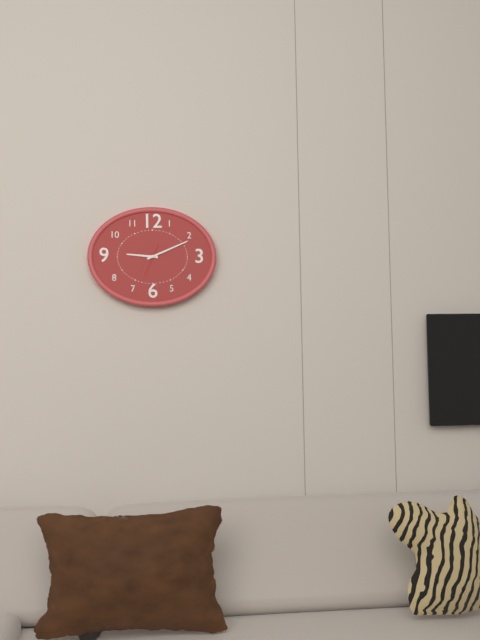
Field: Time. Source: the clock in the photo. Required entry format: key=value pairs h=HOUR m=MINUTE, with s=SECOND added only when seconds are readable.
h=9 m=11
